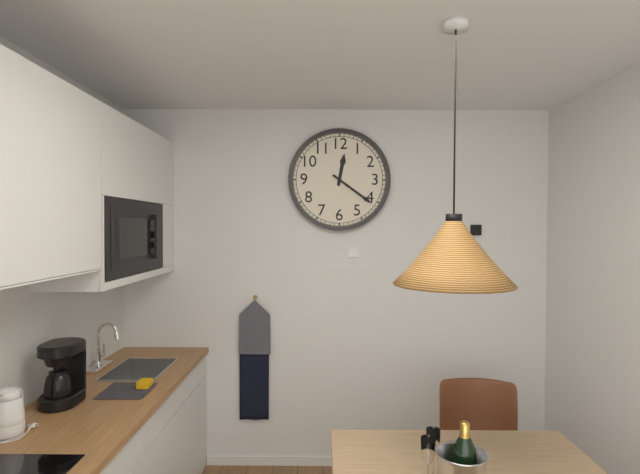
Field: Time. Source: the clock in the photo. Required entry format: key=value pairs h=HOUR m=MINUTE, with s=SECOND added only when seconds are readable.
h=12 m=21
